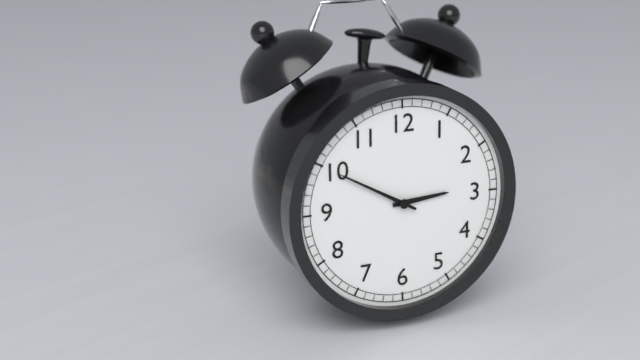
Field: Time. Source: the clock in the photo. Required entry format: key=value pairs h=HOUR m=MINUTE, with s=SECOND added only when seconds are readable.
h=2 m=50
